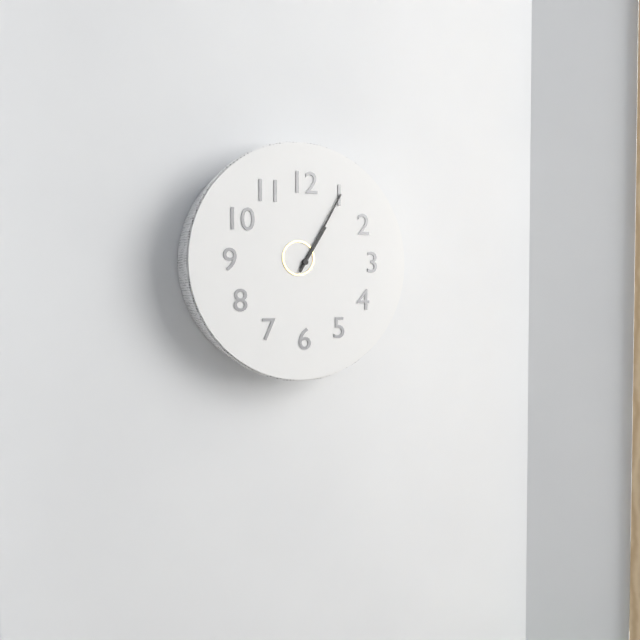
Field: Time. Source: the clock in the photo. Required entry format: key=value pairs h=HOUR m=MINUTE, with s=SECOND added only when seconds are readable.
h=1 m=5
